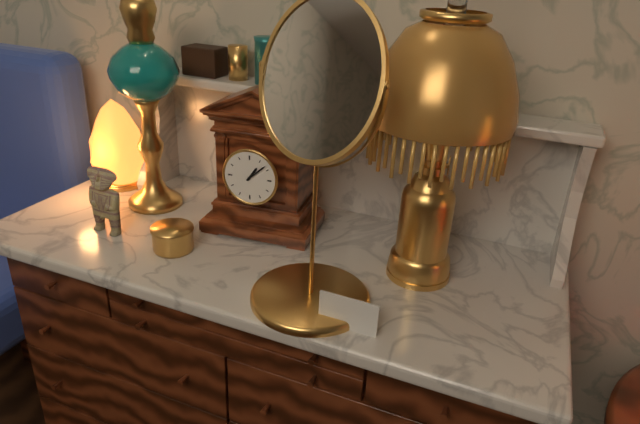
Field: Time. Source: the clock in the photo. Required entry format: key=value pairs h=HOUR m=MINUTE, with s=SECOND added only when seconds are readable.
h=1 m=8
